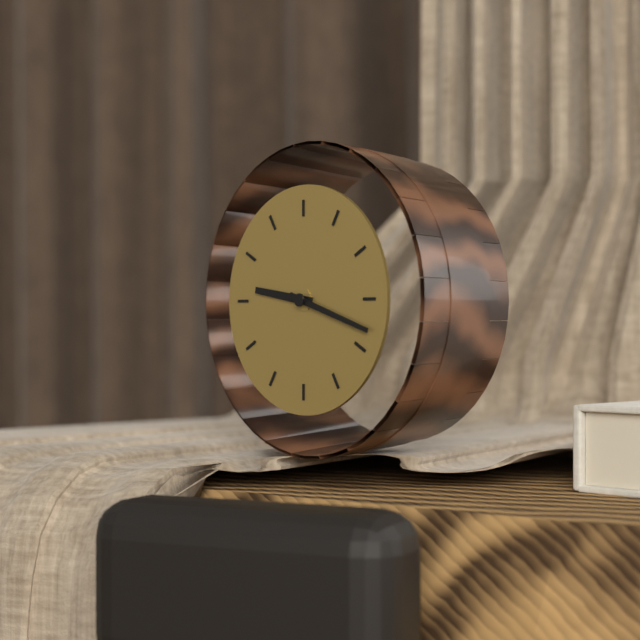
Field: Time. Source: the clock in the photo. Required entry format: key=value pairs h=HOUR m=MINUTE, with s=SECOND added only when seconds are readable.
h=9 m=18
